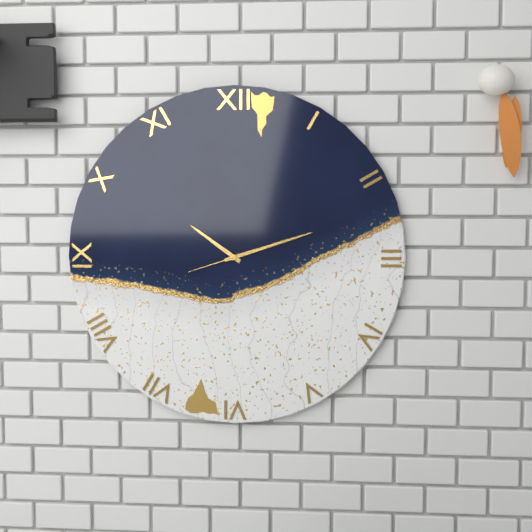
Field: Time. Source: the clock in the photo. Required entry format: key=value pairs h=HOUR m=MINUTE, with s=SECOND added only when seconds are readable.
h=10 m=12 s=42
